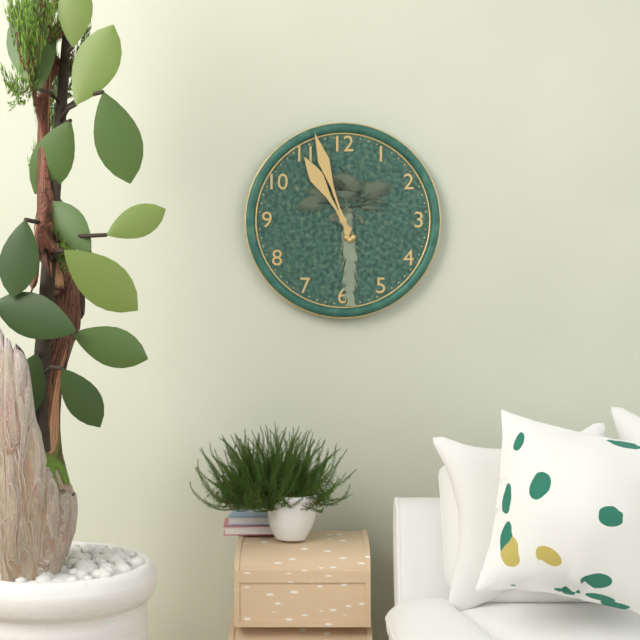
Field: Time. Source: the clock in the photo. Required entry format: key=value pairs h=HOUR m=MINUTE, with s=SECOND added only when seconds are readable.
h=10 m=57
